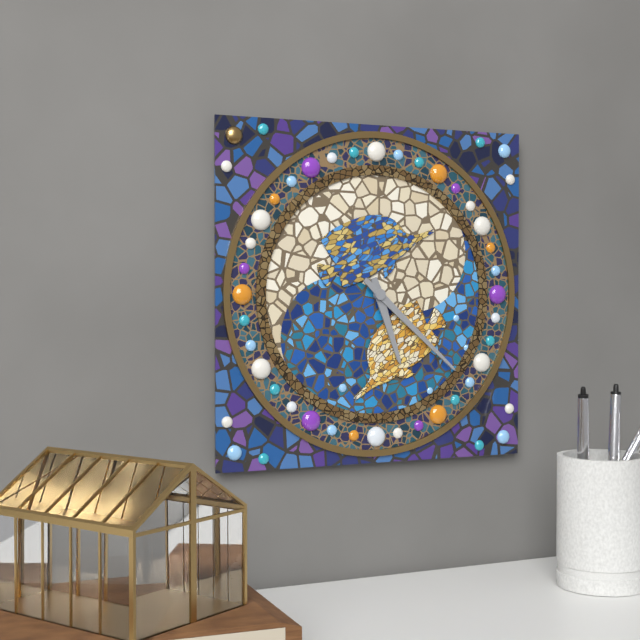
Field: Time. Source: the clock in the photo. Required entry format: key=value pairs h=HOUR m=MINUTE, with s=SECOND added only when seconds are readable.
h=5 m=22
